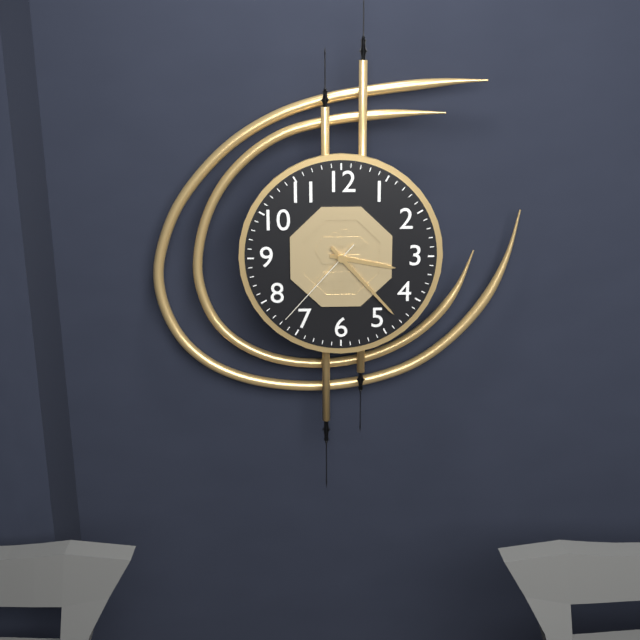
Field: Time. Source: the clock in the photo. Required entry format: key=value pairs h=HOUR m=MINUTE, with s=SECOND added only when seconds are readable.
h=3 m=23 s=37
